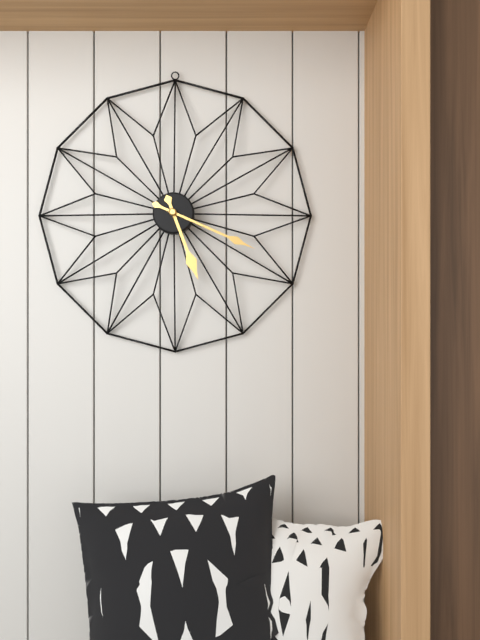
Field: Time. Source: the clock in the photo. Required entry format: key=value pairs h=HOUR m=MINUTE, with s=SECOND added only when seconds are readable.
h=5 m=19
